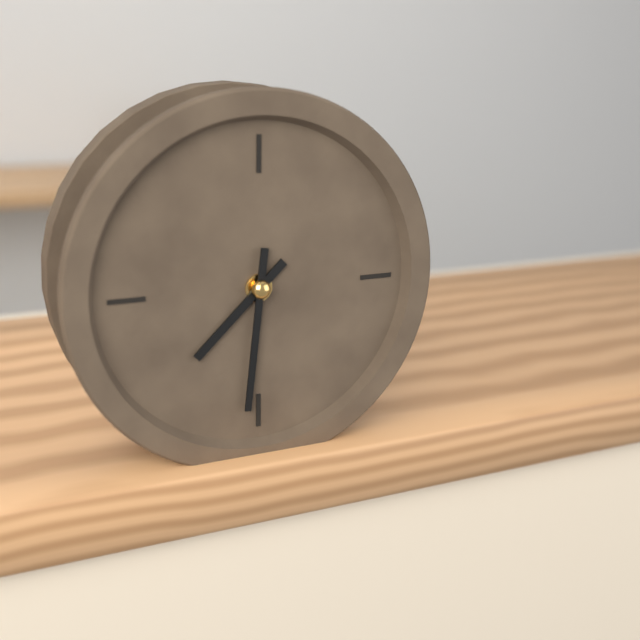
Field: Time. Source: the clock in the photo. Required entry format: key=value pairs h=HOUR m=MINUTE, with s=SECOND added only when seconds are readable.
h=7 m=31
